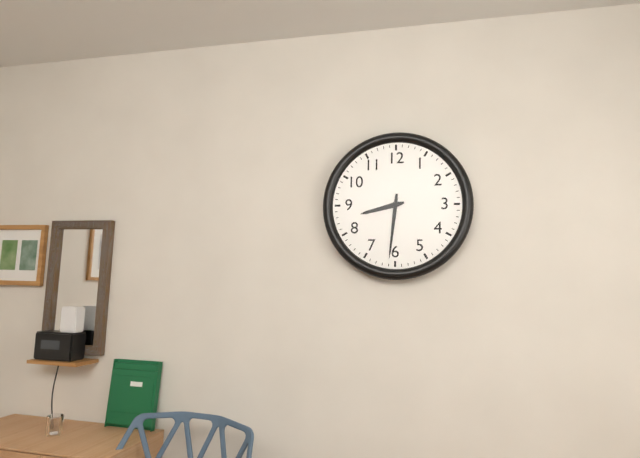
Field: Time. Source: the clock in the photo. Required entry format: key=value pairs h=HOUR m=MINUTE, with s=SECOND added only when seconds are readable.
h=8 m=31
